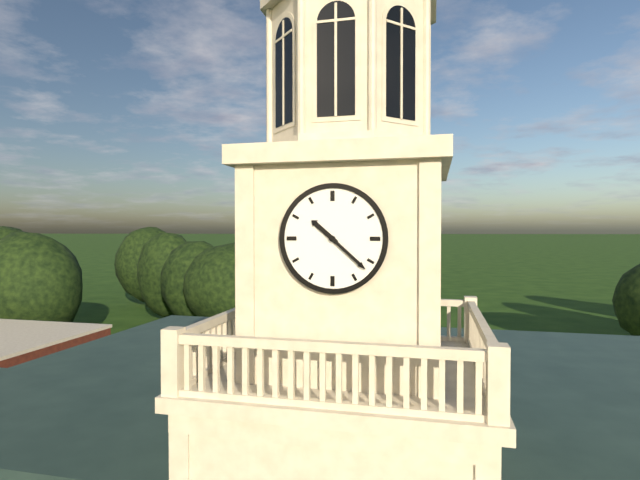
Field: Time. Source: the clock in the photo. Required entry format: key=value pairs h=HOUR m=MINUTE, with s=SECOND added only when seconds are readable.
h=10 m=22
